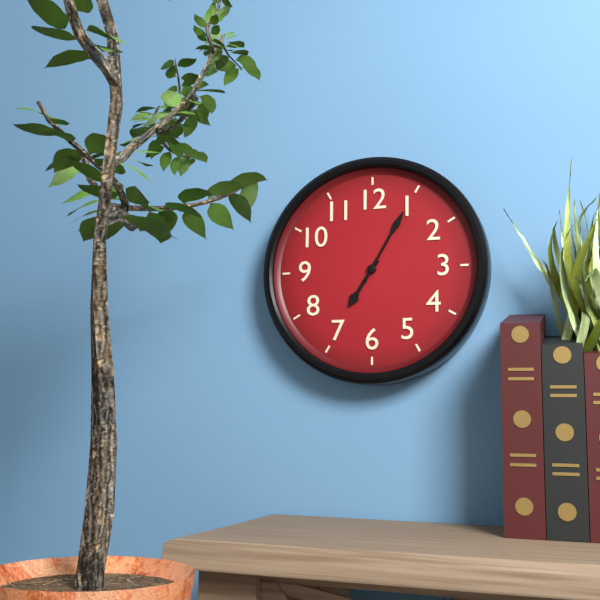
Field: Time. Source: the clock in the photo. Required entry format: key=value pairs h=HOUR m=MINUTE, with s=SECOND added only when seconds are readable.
h=7 m=5
